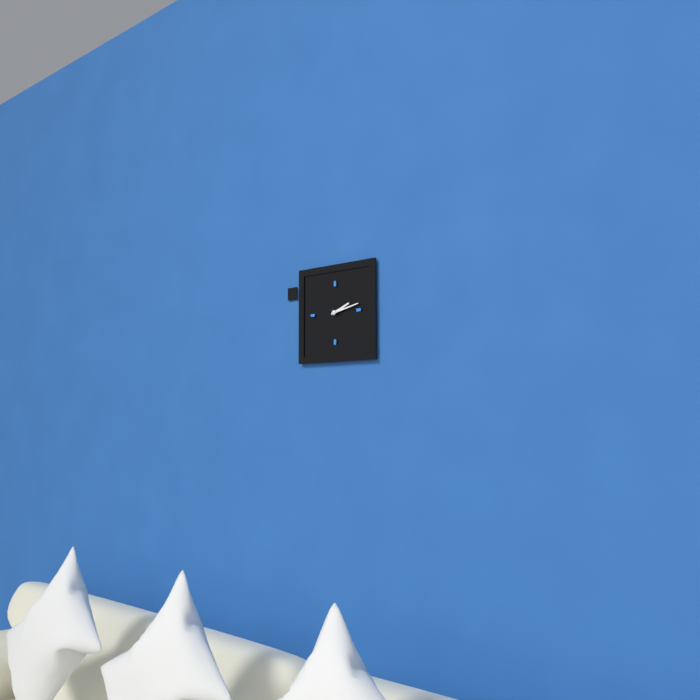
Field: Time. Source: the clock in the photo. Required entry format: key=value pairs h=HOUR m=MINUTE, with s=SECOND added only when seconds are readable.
h=2 m=13
